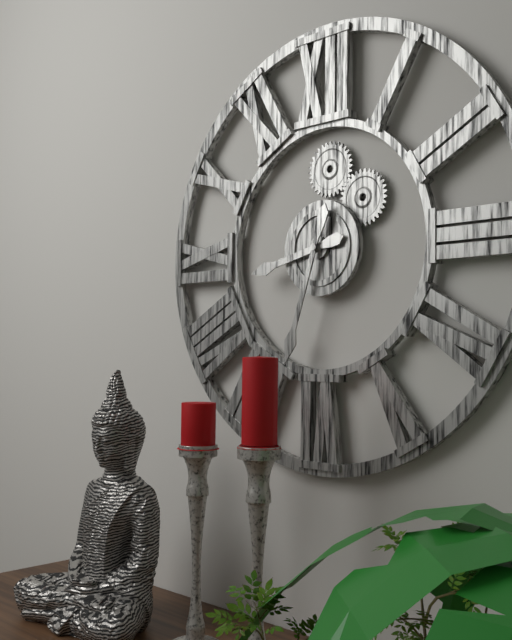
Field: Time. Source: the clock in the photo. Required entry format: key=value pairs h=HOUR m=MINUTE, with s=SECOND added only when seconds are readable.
h=8 m=33
